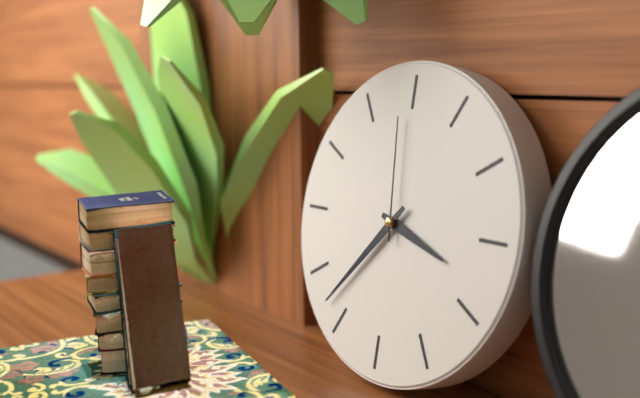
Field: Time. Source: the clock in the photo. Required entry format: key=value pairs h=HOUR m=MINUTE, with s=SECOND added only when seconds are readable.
h=3 m=37 s=59
